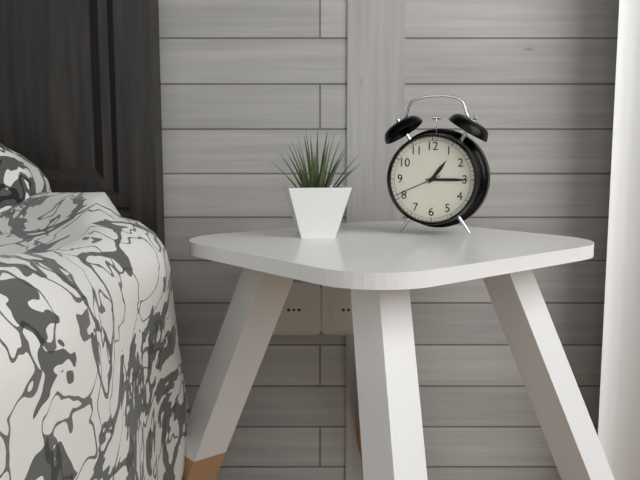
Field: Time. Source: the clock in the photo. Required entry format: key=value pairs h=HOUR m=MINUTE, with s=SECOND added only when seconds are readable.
h=1 m=15
